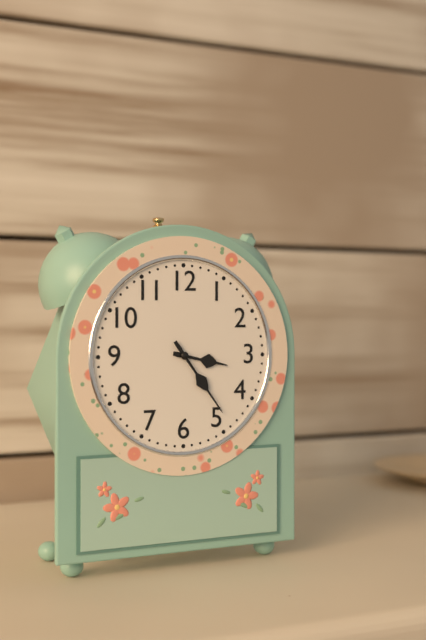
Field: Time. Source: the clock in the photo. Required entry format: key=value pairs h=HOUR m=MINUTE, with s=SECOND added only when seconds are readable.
h=3 m=24
